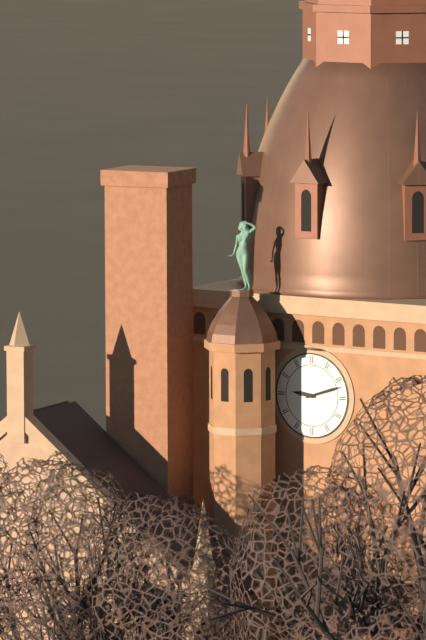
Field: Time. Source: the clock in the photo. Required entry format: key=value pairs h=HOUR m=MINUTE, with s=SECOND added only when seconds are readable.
h=9 m=12
